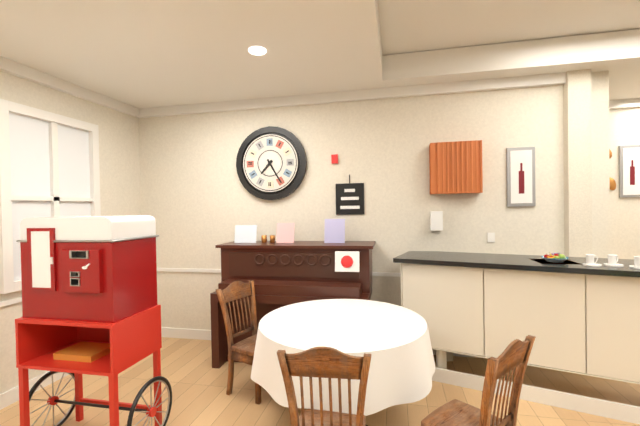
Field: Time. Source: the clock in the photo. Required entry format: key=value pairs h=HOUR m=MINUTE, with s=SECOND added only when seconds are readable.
h=7 m=25
